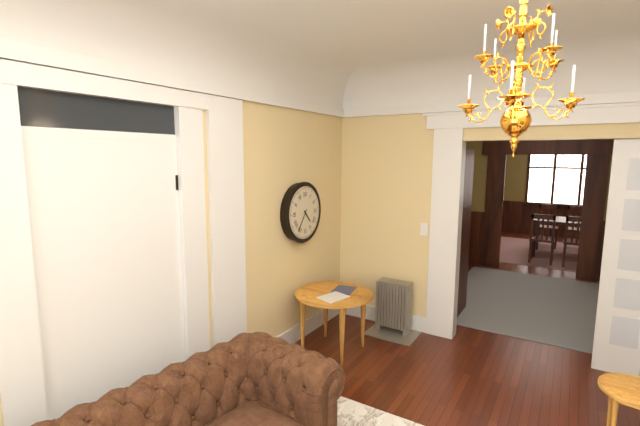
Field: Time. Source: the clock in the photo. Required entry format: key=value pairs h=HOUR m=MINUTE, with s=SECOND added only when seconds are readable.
h=4 m=36
